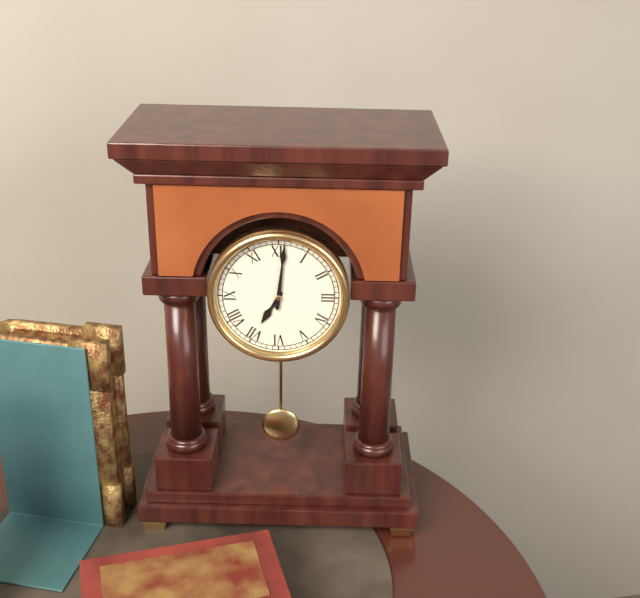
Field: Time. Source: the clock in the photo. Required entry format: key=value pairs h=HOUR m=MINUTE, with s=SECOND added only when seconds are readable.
h=7 m=1
